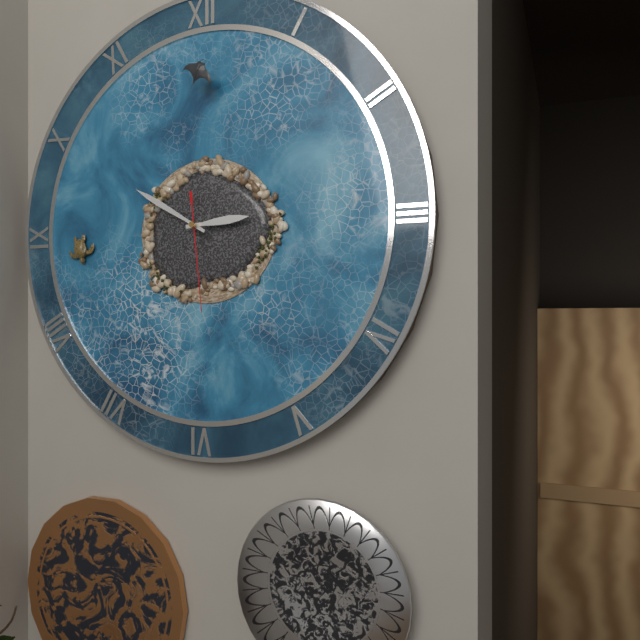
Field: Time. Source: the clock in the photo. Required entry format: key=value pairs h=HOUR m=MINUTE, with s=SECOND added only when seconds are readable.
h=2 m=50 s=29
